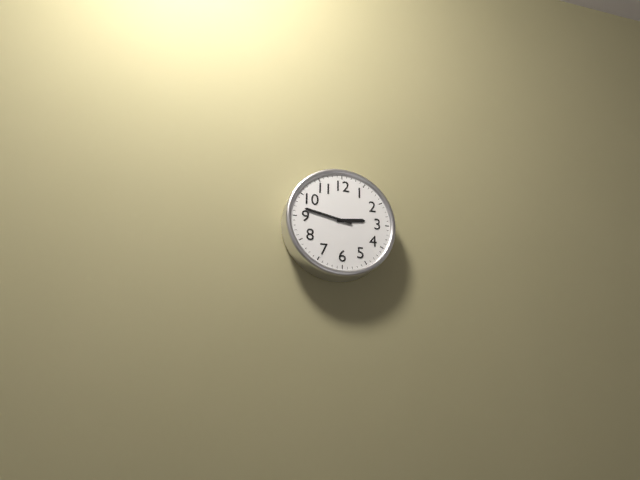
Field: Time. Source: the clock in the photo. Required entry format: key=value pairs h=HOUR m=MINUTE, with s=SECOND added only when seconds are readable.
h=2 m=47
